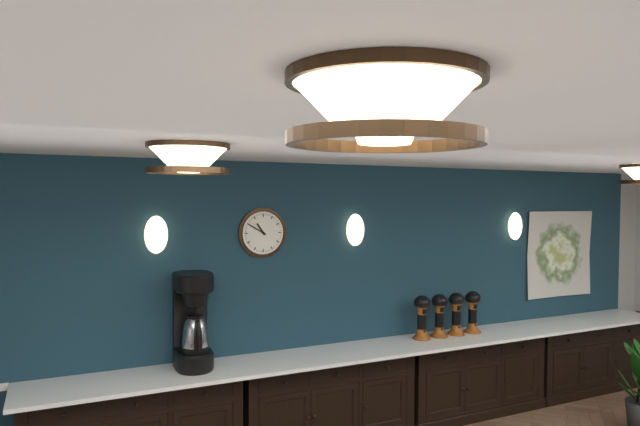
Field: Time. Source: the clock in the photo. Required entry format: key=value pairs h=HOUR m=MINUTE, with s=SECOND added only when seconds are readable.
h=10 m=50
